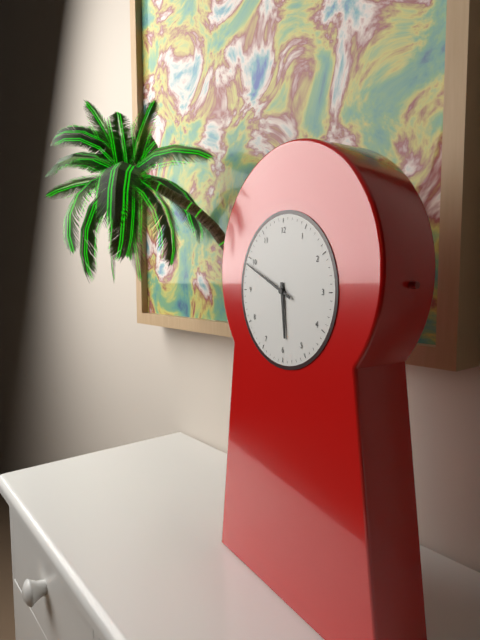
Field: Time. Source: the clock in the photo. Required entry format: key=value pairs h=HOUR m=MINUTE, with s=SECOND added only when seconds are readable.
h=5 m=49
